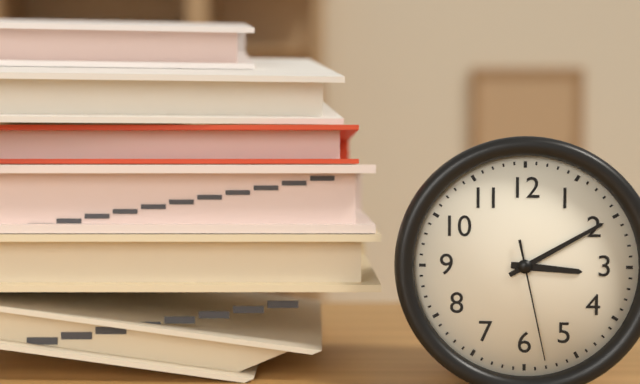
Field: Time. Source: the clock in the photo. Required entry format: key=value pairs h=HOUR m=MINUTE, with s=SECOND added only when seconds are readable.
h=3 m=10 s=28
